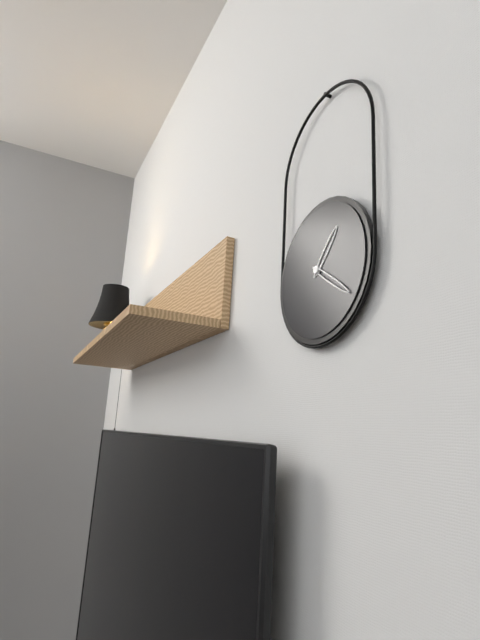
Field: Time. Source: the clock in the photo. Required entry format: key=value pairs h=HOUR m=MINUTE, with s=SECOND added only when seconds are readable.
h=1 m=21
